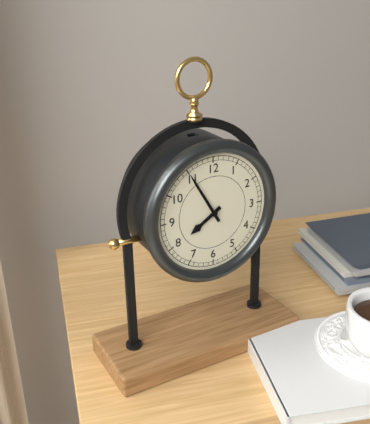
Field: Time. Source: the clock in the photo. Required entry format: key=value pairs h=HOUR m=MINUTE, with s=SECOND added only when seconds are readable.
h=7 m=55
